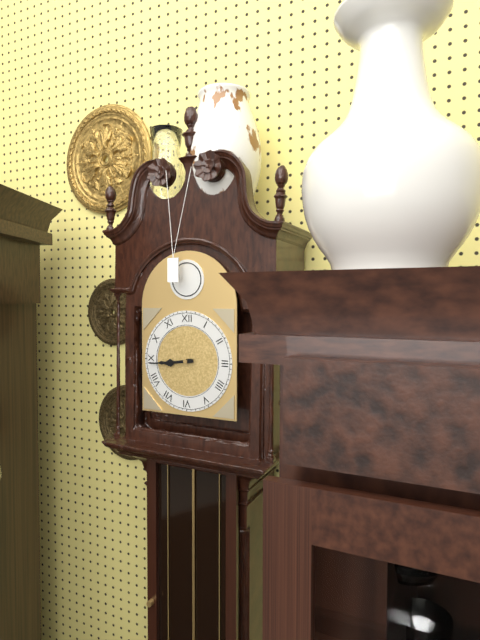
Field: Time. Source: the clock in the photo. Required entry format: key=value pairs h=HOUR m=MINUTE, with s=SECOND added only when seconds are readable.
h=8 m=44
